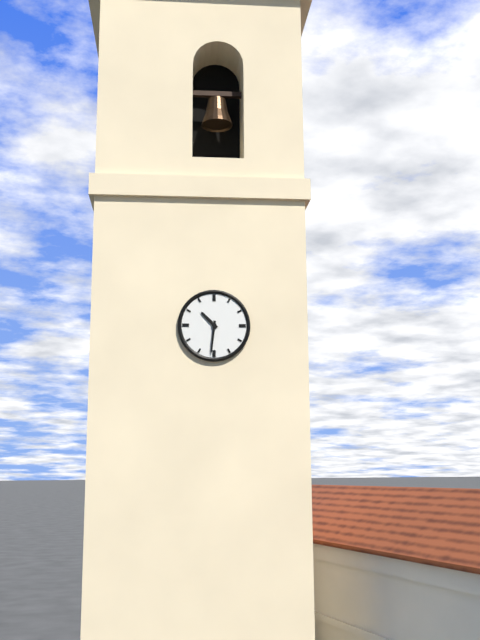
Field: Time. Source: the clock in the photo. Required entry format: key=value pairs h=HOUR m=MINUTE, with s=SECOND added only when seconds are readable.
h=10 m=31
